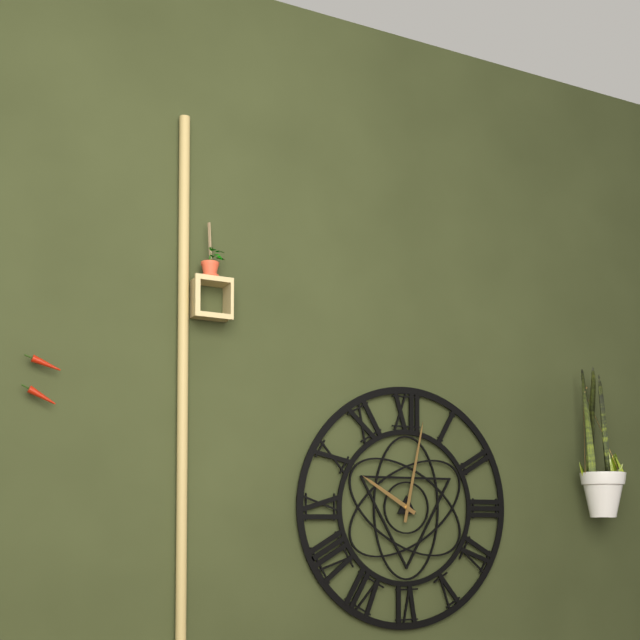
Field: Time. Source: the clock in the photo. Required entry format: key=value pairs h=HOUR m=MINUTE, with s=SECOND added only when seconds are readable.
h=10 m=2
